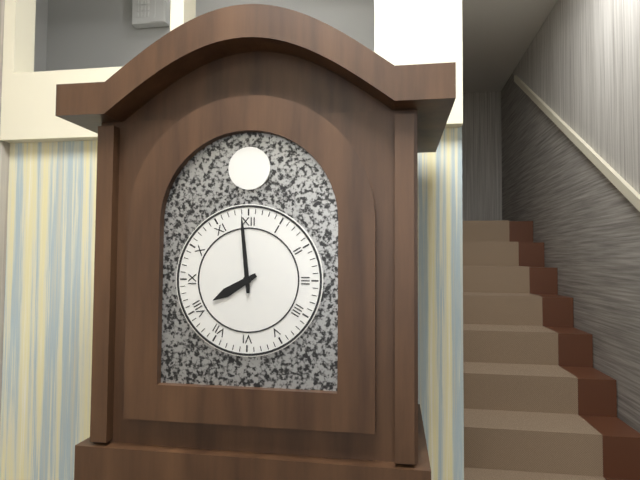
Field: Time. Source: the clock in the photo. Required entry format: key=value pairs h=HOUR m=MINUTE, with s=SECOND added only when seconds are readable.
h=7 m=59
